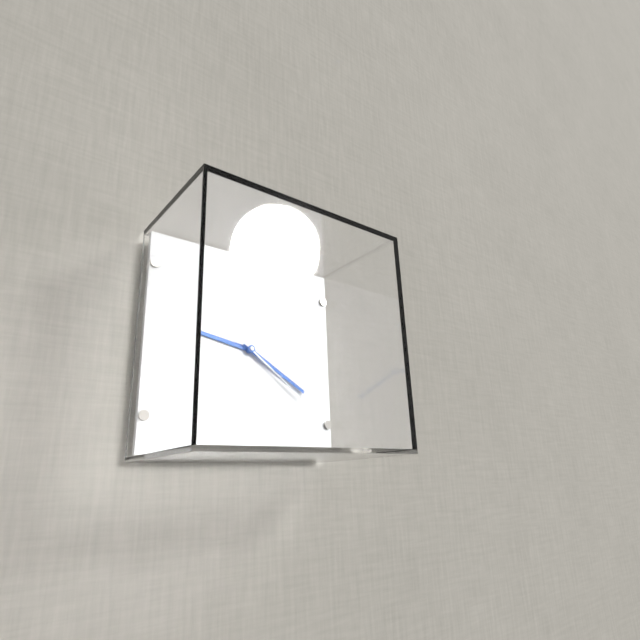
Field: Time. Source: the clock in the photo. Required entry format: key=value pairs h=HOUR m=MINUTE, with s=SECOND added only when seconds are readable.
h=9 m=20 s=21
